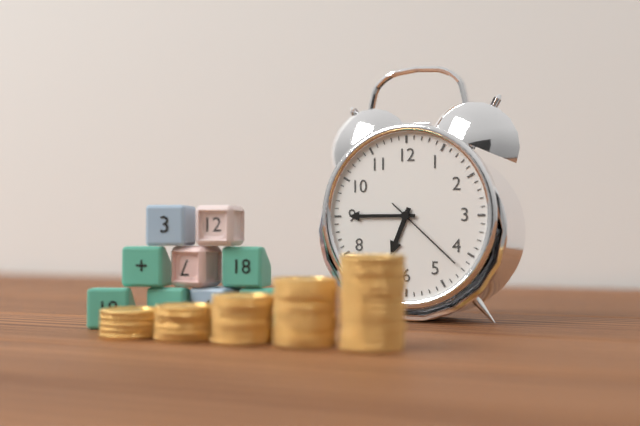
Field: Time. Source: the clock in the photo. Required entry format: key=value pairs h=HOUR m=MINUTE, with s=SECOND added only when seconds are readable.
h=6 m=45 s=22
